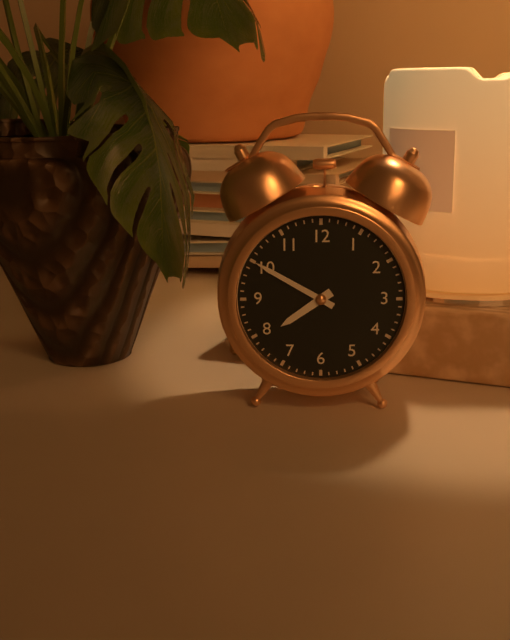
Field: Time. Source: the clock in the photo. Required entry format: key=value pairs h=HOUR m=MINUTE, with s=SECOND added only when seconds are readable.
h=7 m=50
